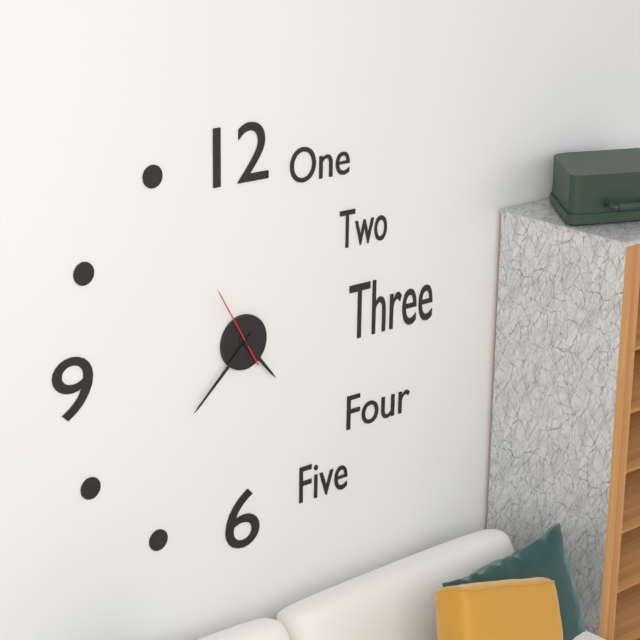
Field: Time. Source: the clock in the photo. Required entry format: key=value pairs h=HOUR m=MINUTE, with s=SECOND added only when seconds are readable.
h=4 m=38 s=55
